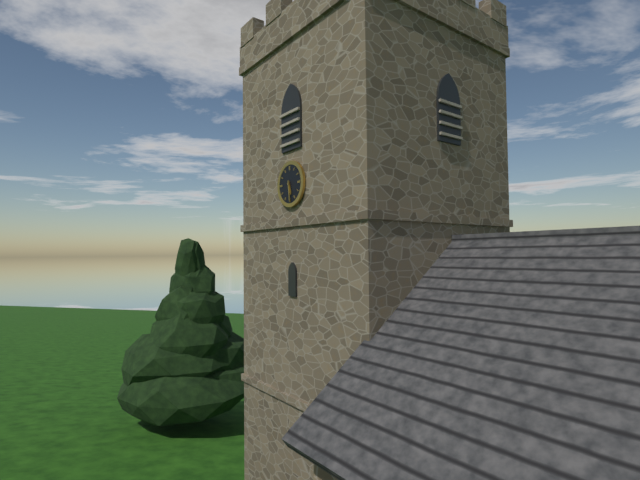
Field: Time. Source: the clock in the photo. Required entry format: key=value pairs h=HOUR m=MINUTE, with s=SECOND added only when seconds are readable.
h=5 m=29
